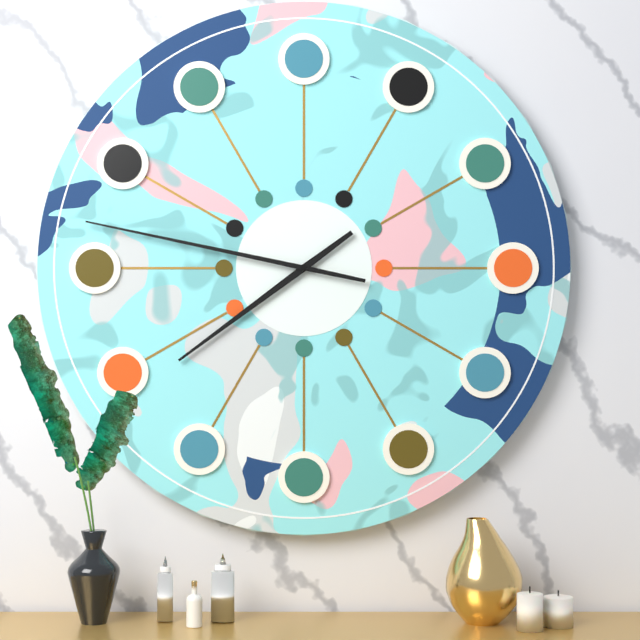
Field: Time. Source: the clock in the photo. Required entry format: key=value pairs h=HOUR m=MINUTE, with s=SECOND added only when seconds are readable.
h=7 m=47
